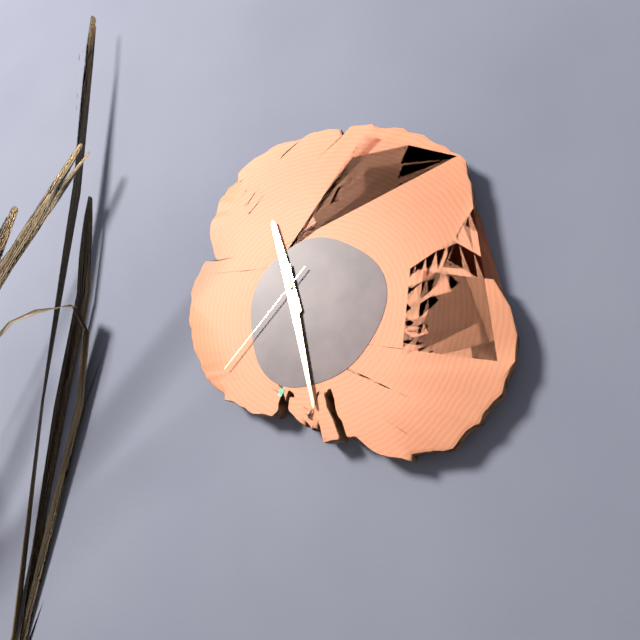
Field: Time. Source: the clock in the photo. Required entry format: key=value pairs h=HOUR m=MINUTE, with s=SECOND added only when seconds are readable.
h=11 m=28 s=37
